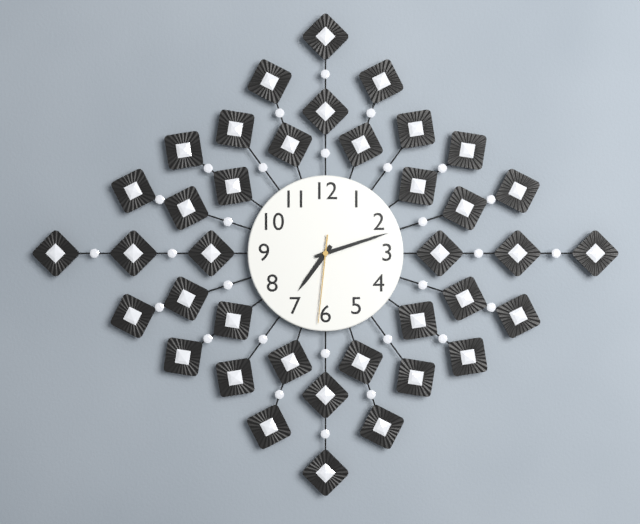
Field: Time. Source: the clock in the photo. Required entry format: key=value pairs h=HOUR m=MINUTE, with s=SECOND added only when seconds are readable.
h=7 m=12 s=31
